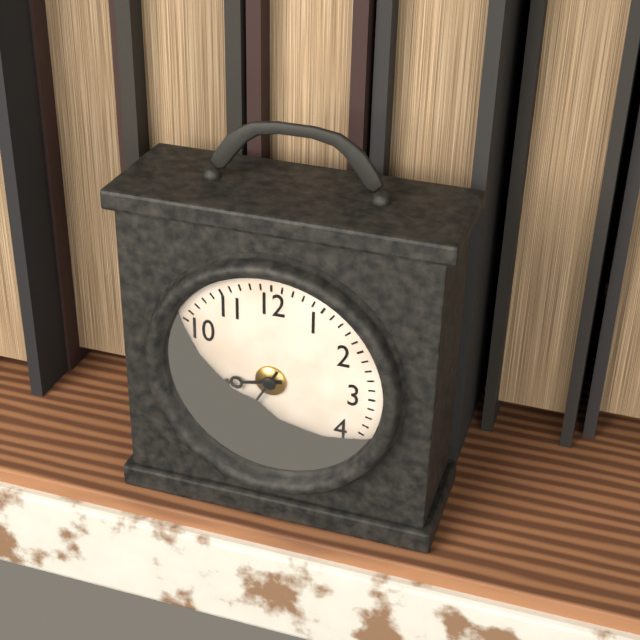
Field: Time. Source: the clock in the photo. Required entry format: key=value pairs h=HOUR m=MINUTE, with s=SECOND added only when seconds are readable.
h=8 m=35
